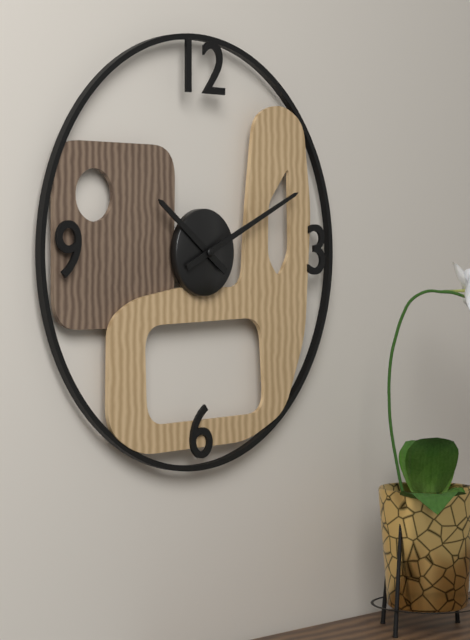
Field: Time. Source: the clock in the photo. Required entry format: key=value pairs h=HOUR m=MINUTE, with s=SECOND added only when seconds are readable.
h=10 m=11
